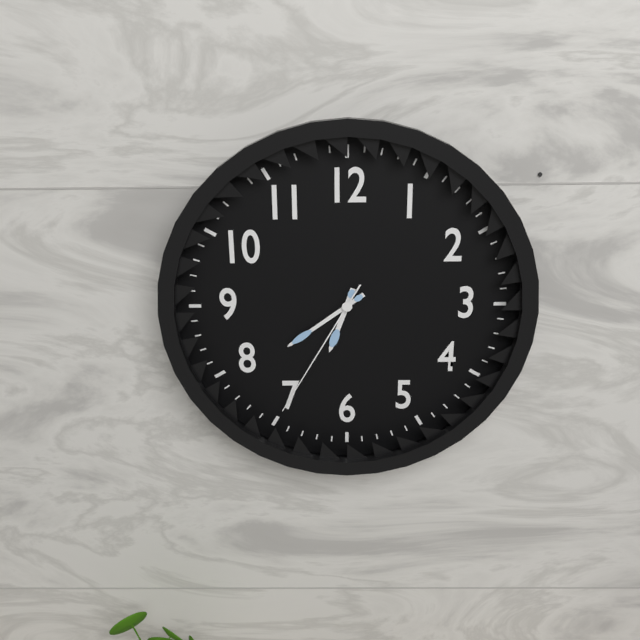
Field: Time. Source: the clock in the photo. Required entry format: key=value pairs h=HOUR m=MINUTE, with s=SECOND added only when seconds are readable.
h=6 m=39 s=35
